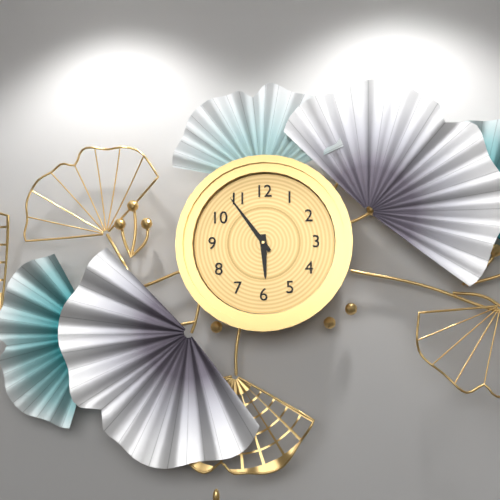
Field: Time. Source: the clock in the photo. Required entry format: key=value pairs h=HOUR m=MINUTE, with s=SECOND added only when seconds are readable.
h=5 m=54
